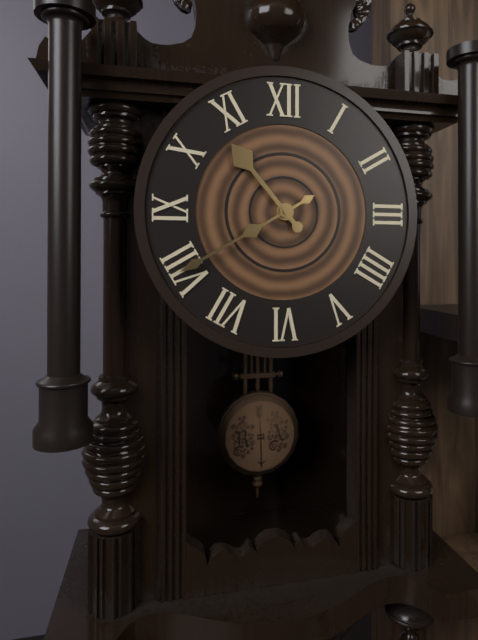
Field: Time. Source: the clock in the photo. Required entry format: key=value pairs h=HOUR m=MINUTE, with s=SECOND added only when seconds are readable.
h=10 m=40
